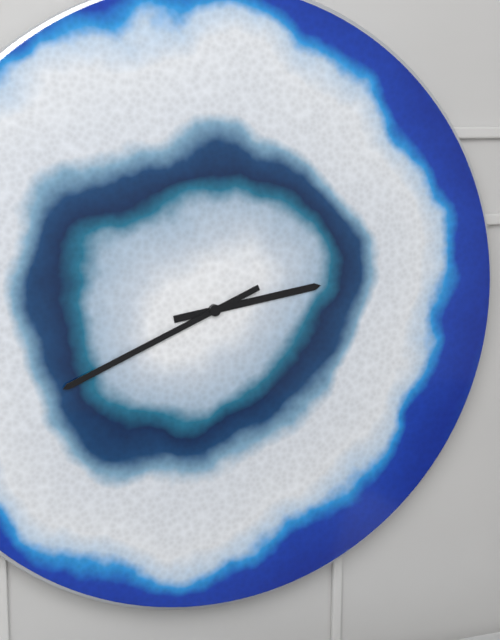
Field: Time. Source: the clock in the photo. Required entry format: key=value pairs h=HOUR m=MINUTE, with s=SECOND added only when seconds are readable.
h=2 m=41
